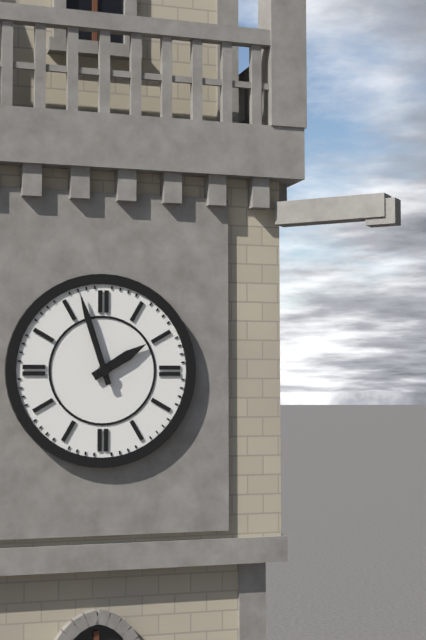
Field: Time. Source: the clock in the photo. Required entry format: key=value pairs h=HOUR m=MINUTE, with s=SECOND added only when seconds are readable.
h=1 m=57
